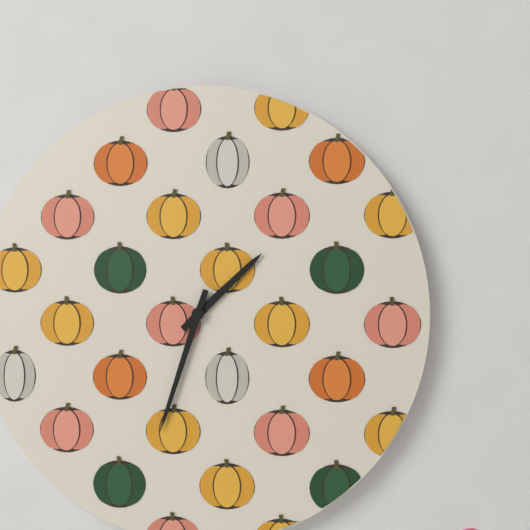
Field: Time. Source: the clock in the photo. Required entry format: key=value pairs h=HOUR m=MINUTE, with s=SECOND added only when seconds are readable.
h=1 m=33
